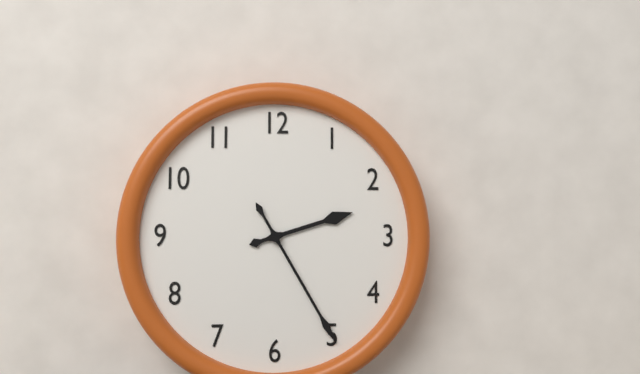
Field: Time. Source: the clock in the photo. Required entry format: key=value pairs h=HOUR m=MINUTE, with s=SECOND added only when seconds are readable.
h=2 m=25
